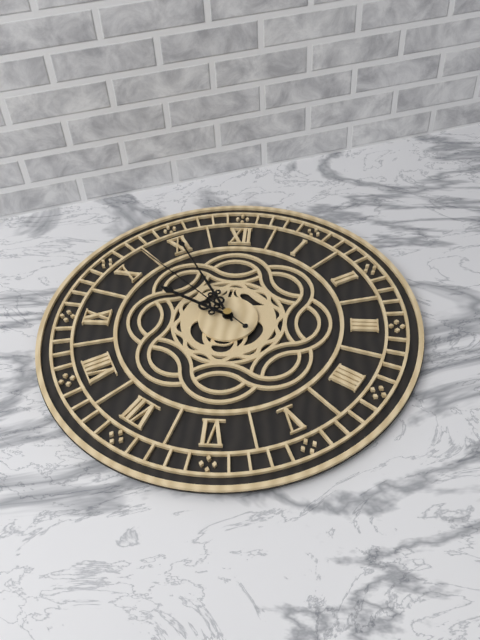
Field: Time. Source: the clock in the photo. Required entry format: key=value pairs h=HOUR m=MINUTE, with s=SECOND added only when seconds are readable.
h=9 m=55 s=52
